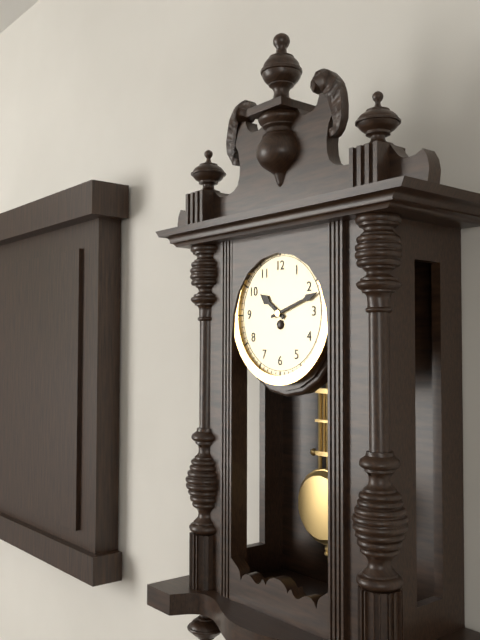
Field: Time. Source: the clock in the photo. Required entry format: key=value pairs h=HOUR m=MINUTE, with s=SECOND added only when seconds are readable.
h=10 m=12
